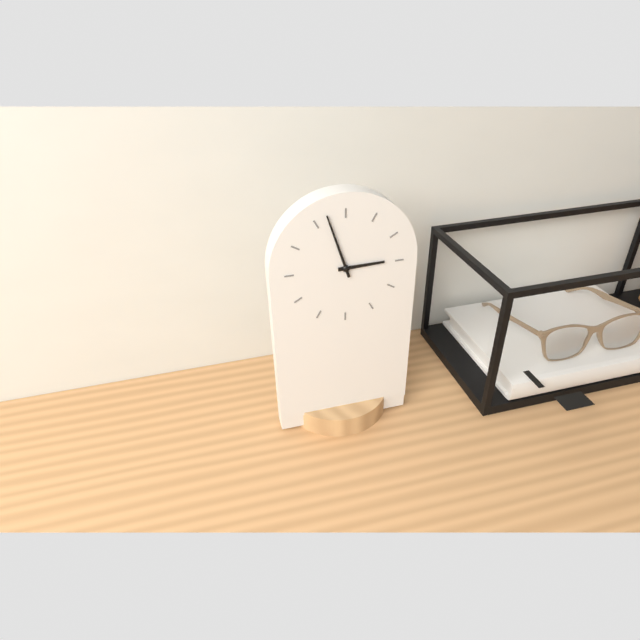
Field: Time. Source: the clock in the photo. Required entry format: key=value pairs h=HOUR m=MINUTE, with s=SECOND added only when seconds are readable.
h=2 m=57
